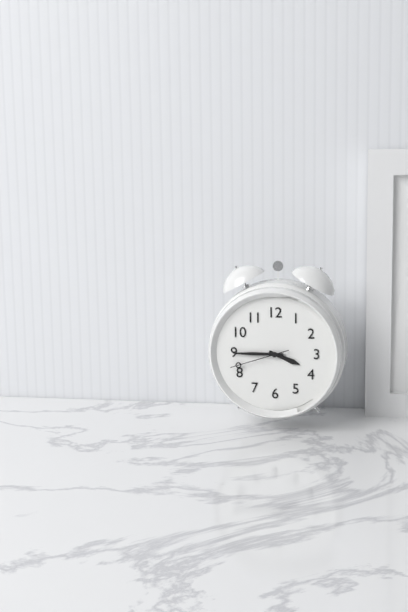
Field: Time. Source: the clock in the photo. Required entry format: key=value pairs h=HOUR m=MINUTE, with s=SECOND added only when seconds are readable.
h=3 m=45 s=42
